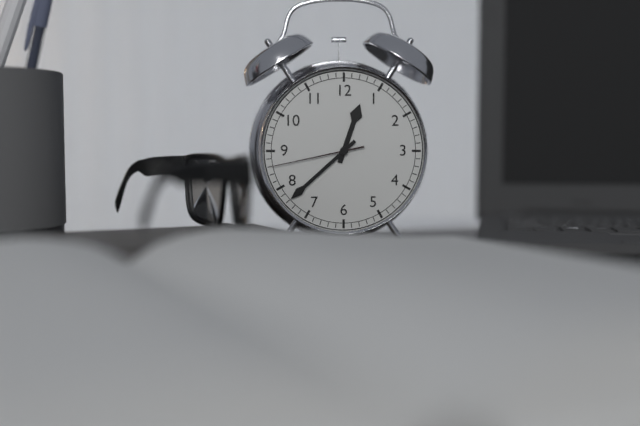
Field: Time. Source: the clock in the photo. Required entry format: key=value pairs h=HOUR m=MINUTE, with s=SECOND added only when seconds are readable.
h=12 m=38 s=43
